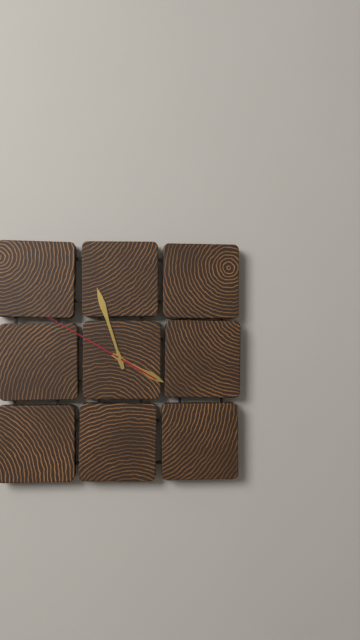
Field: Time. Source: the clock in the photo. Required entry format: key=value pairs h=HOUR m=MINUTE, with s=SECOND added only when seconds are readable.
h=3 m=57 s=50
